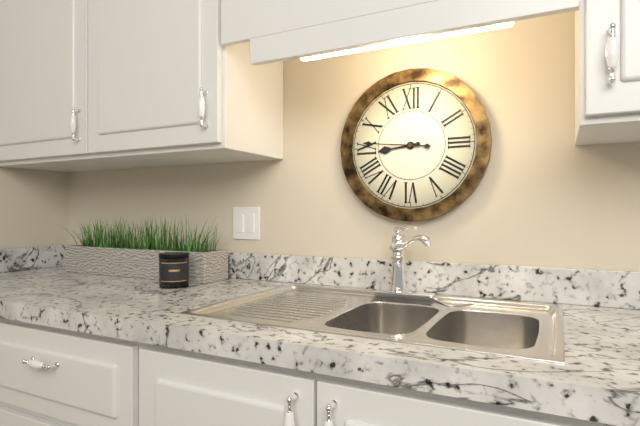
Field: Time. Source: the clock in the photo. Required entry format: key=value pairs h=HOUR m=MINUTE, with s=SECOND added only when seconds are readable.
h=8 m=46
